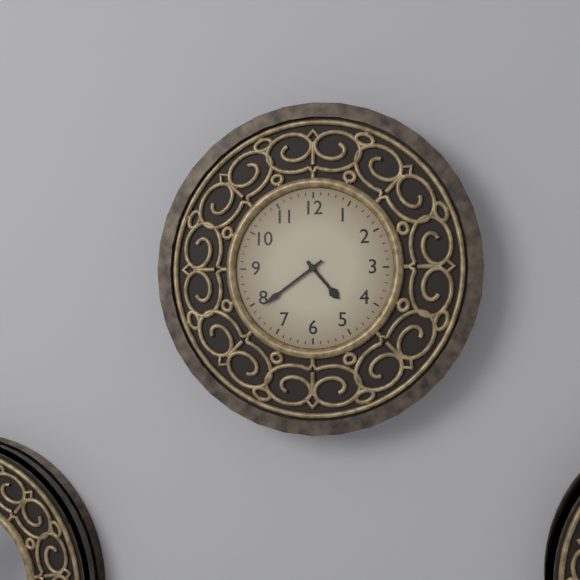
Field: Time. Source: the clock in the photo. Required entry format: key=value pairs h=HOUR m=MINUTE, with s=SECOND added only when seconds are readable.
h=4 m=39
